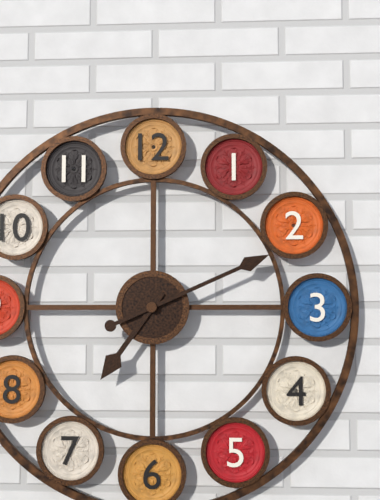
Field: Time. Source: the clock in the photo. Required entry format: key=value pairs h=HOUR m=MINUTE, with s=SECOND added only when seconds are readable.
h=7 m=11
